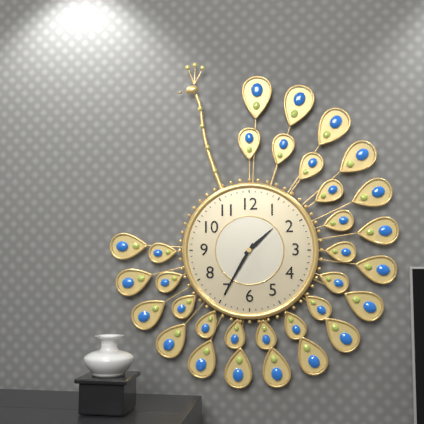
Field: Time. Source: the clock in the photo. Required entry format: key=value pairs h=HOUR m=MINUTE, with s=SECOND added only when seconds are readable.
h=1 m=35
